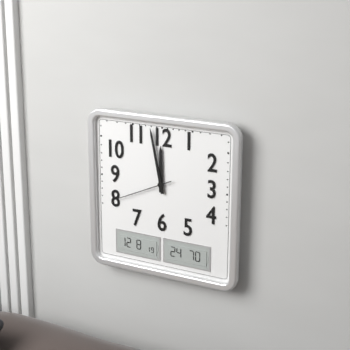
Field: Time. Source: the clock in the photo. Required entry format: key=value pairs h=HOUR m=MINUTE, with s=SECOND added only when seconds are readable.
h=11 m=58 s=41
